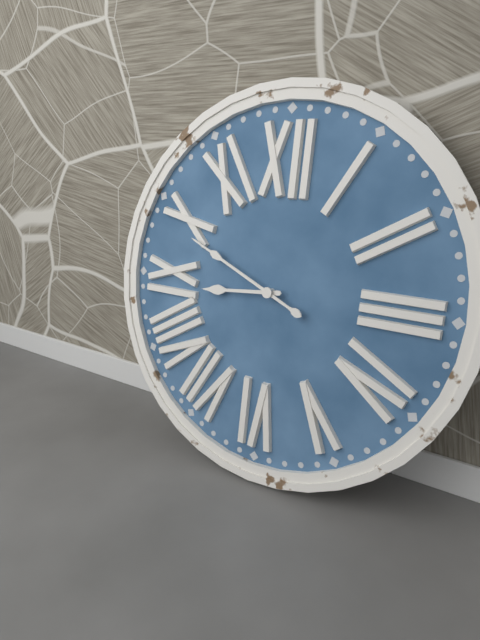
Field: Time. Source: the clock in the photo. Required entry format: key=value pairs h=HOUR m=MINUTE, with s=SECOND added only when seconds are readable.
h=8 m=49
